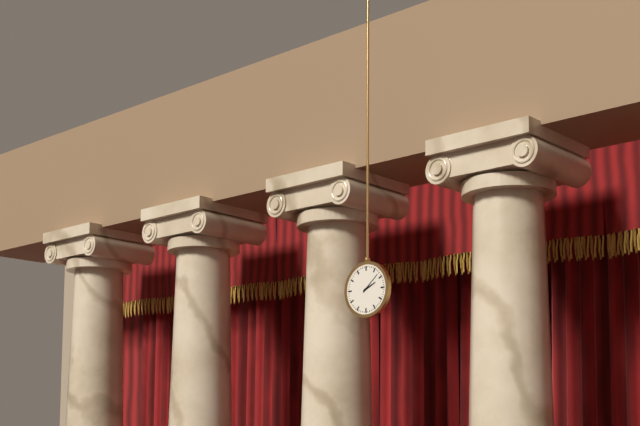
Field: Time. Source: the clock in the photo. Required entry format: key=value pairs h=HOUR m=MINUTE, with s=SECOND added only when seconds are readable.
h=2 m=8
